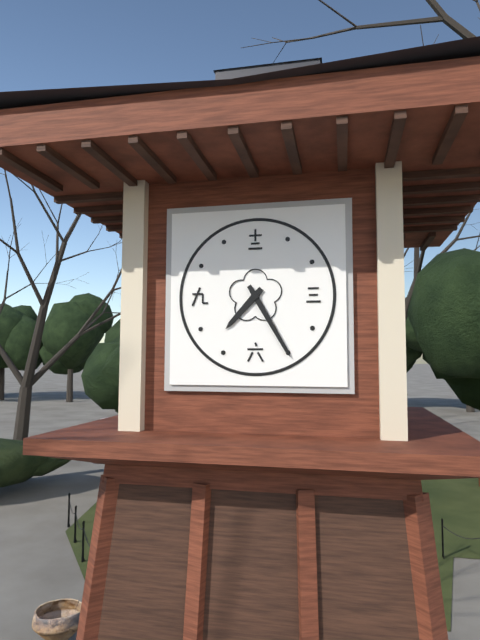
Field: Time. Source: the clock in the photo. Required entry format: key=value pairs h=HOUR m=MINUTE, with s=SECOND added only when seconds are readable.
h=7 m=25
